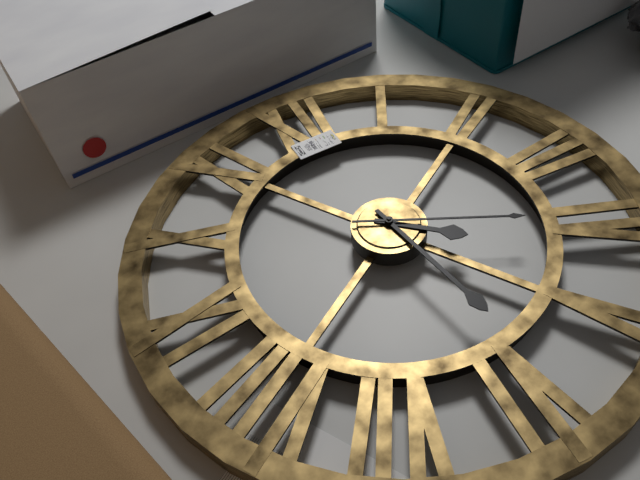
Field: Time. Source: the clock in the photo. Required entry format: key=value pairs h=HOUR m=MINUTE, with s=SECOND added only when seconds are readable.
h=4 m=29 s=20
